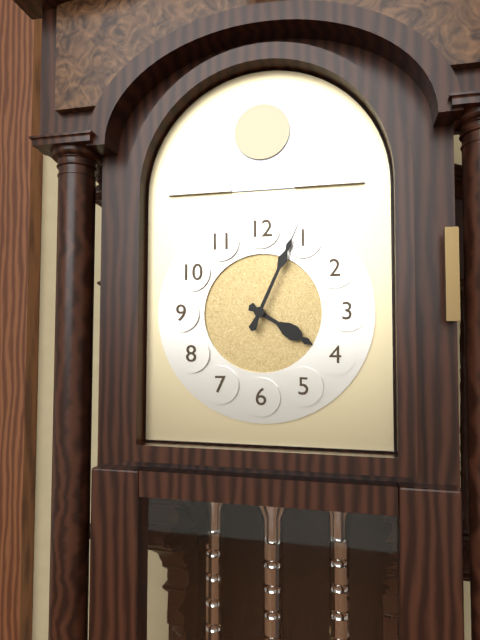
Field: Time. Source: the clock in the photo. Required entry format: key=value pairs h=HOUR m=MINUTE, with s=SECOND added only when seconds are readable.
h=4 m=4
